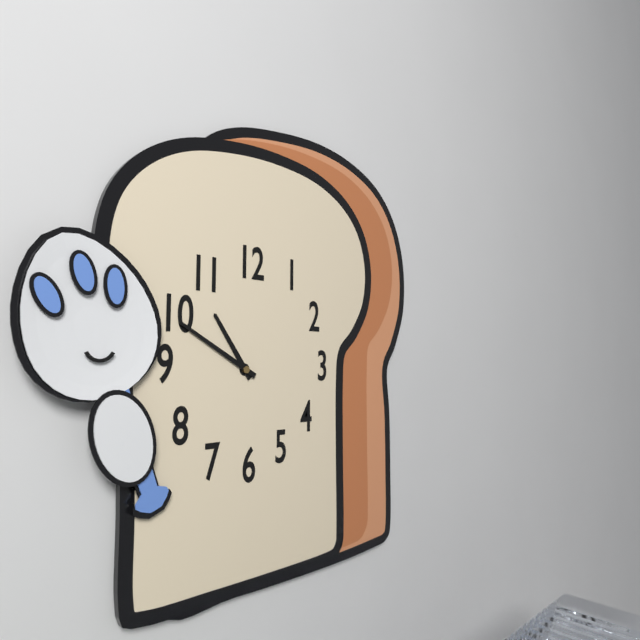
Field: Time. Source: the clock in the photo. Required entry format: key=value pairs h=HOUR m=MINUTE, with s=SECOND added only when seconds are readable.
h=10 m=50
